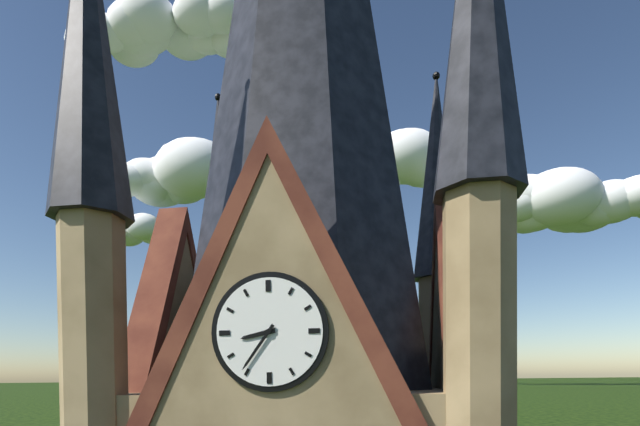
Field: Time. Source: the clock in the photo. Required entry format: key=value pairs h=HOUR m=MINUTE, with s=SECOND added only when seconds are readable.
h=8 m=36
